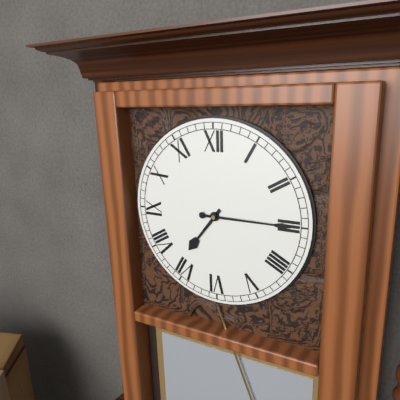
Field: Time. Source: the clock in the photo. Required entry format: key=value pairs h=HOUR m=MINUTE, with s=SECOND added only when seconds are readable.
h=7 m=15
